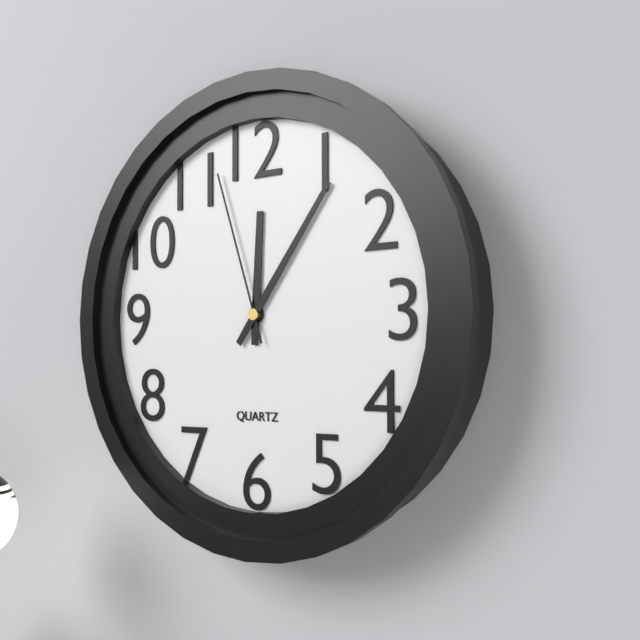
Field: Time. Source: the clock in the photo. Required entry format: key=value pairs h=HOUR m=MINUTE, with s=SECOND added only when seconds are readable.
h=12 m=6 s=57
